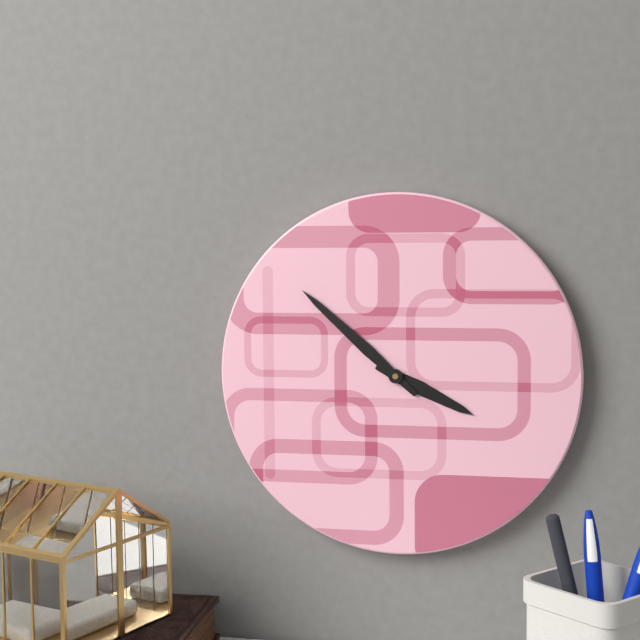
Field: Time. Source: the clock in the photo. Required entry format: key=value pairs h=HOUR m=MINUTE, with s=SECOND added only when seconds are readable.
h=3 m=52
